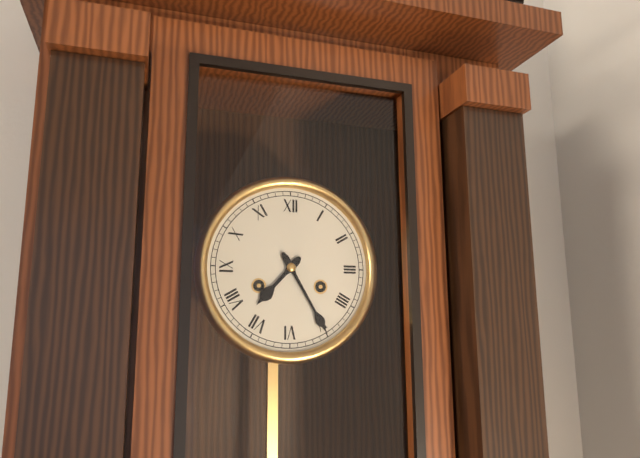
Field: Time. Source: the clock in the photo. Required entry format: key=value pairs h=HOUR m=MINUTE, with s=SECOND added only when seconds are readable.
h=7 m=25
